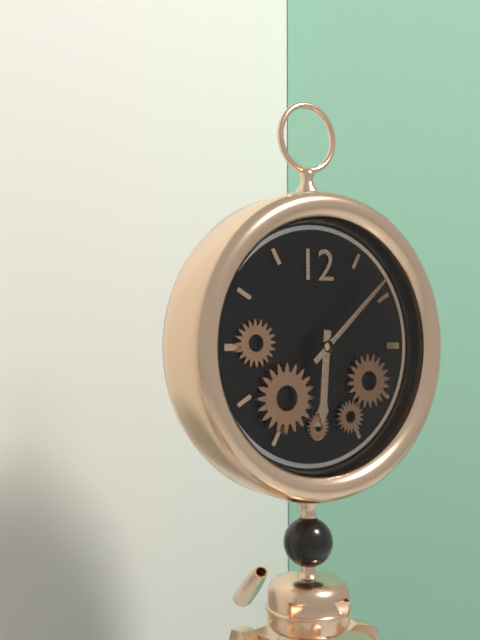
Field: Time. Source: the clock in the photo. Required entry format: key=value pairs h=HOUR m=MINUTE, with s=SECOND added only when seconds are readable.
h=6 m=8
